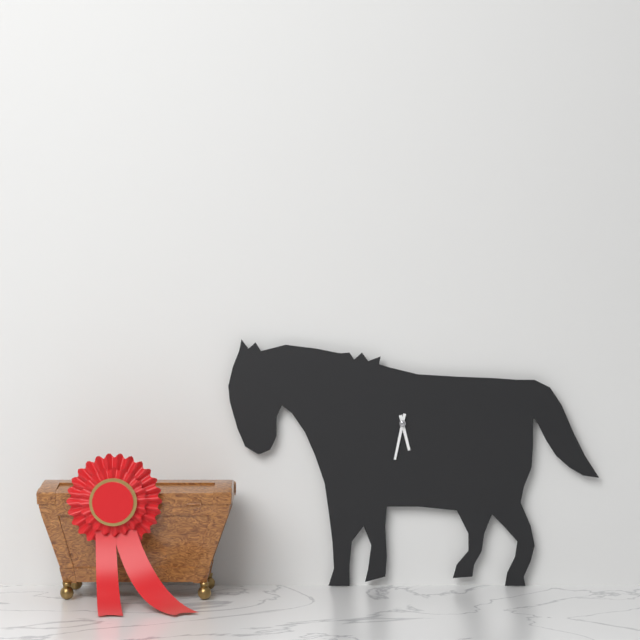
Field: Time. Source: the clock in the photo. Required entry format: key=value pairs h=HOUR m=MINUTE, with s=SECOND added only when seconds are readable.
h=5 m=32
